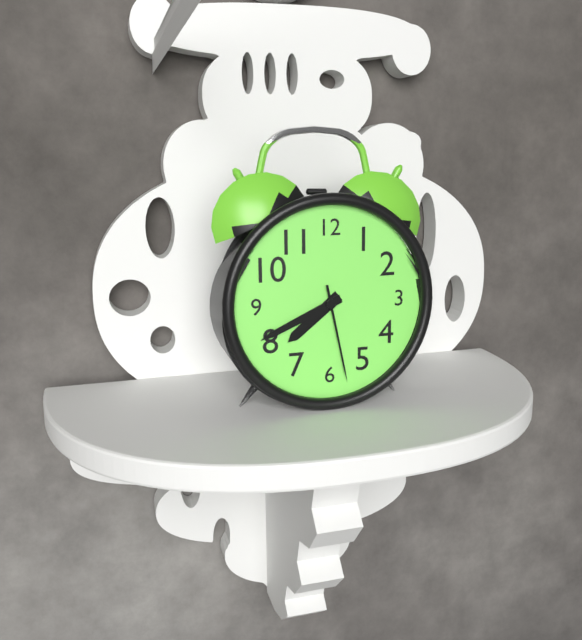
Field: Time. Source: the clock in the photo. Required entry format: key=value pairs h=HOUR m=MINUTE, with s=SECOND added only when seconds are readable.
h=7 m=41 s=28
